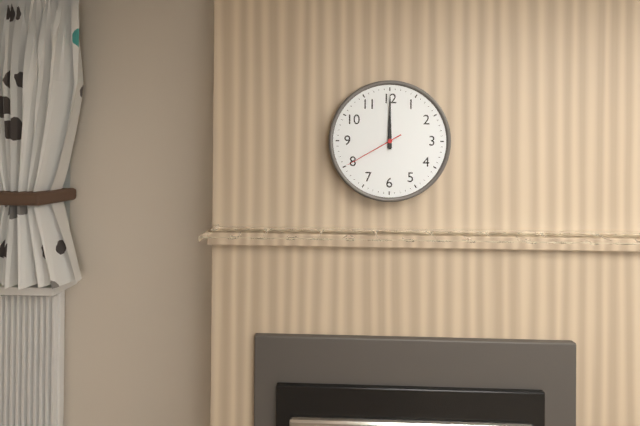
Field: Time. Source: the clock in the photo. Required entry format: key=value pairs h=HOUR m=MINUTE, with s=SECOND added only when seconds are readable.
h=12 m=0 s=40
